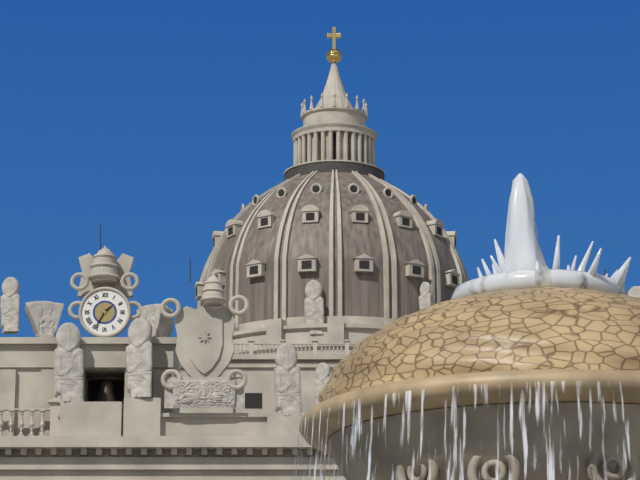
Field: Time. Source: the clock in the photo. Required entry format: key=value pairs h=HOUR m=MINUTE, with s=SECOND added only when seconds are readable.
h=1 m=35
